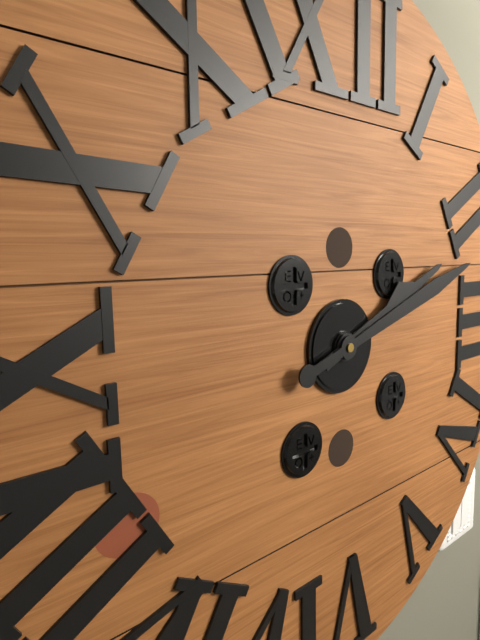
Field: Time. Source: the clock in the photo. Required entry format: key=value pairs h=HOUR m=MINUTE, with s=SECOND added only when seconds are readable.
h=2 m=12
